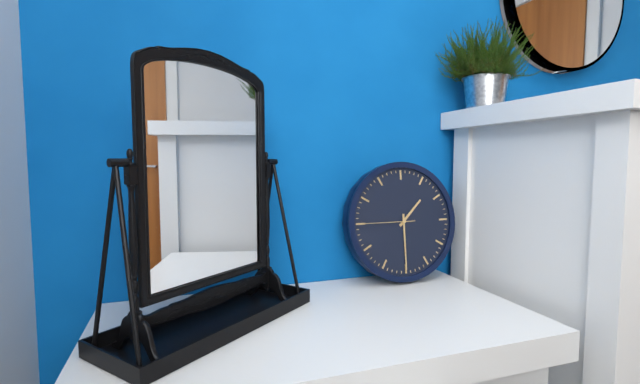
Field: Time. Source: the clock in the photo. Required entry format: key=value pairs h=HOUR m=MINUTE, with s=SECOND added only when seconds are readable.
h=1 m=30 s=45
